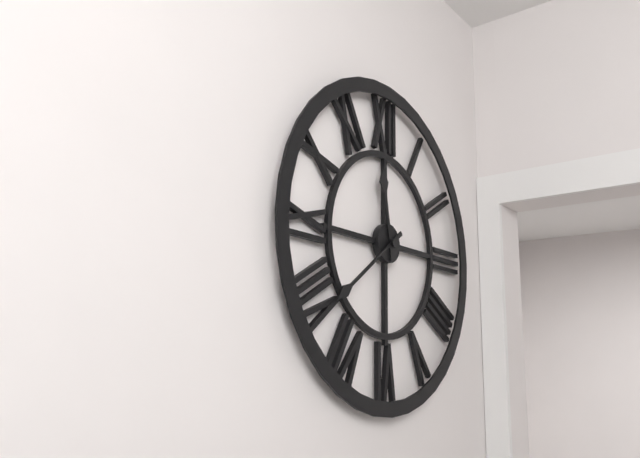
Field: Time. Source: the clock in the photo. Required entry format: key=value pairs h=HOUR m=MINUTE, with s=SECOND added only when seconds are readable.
h=11 m=39
